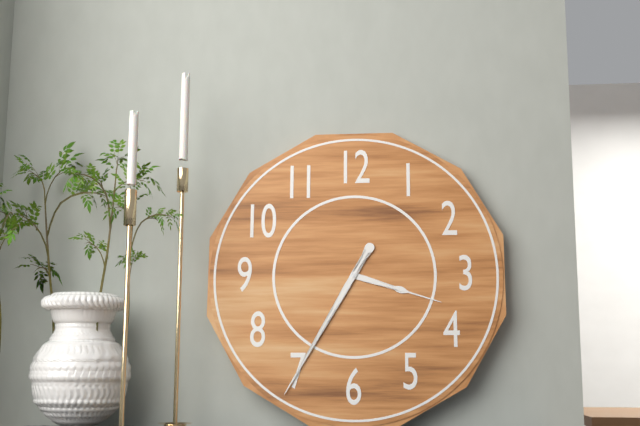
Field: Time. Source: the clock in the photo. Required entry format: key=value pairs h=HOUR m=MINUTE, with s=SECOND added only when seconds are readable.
h=3 m=35
